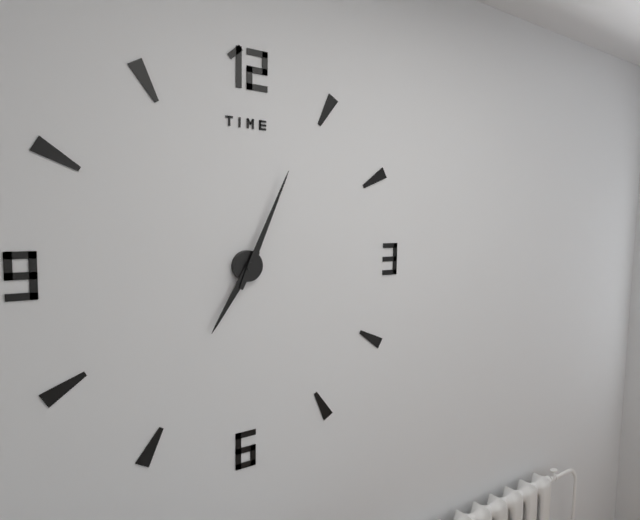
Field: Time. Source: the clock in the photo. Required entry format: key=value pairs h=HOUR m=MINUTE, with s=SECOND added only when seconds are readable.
h=7 m=4
